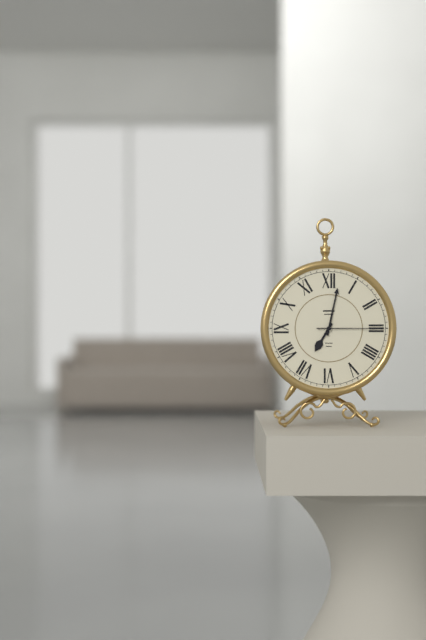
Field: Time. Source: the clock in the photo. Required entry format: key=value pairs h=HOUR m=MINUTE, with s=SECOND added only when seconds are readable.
h=7 m=2 s=15
